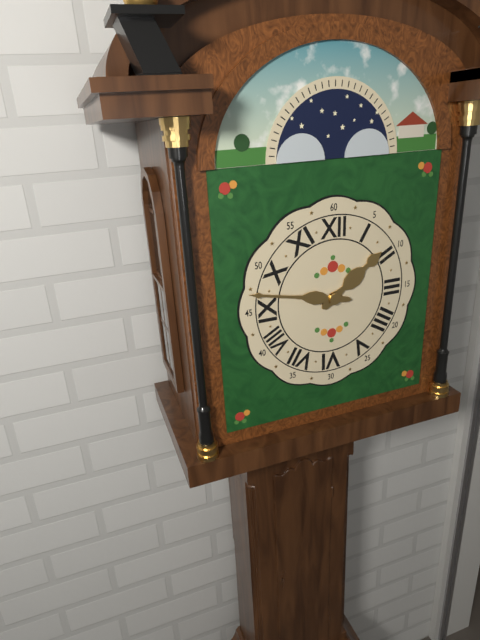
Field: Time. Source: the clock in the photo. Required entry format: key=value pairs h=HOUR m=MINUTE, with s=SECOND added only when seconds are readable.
h=1 m=47
